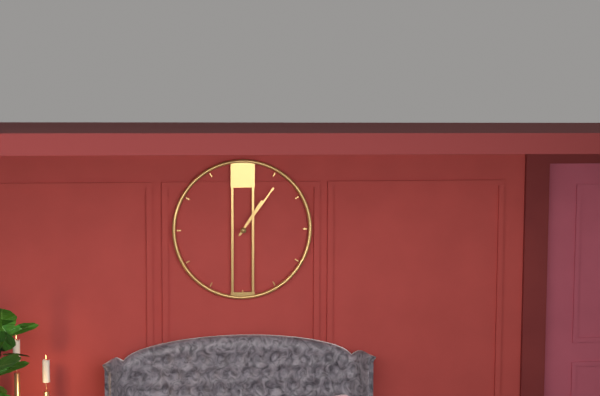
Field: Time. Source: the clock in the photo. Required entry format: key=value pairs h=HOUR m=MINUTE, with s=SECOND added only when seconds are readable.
h=1 m=6
